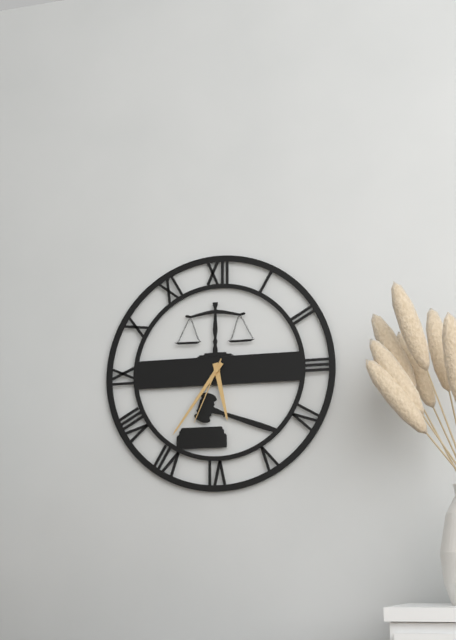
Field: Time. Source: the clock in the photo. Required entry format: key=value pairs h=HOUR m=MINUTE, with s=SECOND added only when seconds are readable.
h=5 m=36 s=34
